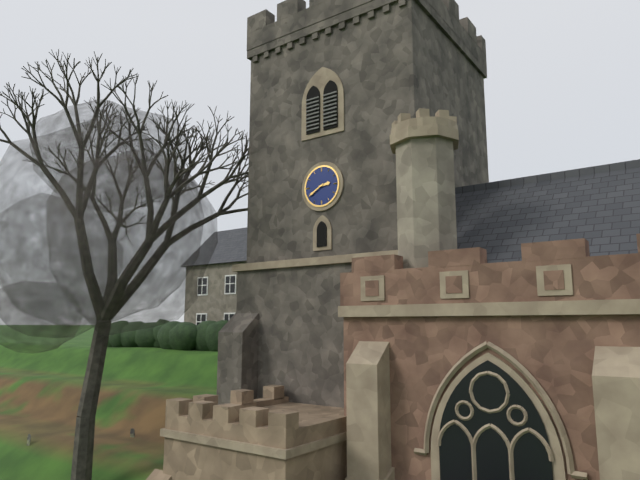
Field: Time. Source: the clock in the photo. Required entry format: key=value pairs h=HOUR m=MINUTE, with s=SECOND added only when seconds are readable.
h=2 m=40
